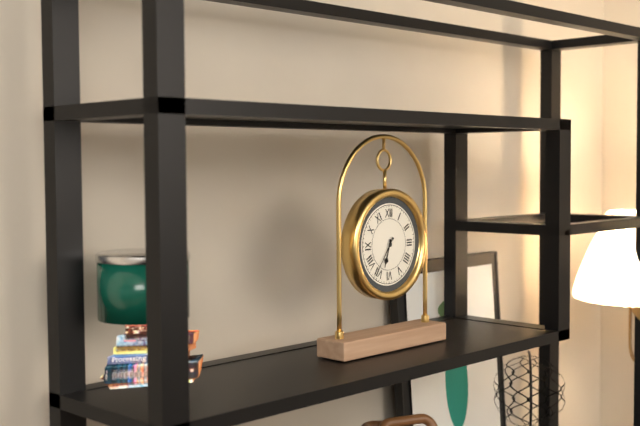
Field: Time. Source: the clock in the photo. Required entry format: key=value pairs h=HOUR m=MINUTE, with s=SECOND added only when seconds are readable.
h=6 m=36
